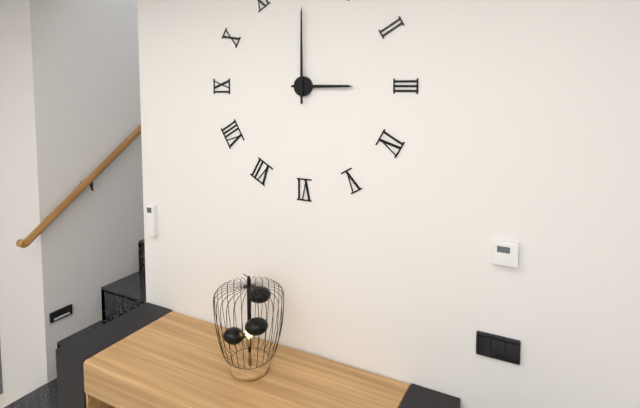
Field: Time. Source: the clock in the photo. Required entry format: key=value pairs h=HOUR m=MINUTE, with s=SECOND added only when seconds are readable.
h=3 m=0
